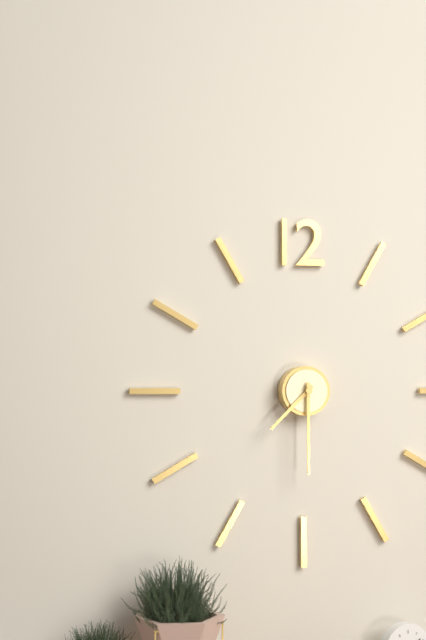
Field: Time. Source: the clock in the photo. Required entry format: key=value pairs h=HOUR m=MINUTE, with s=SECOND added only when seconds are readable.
h=7 m=30
